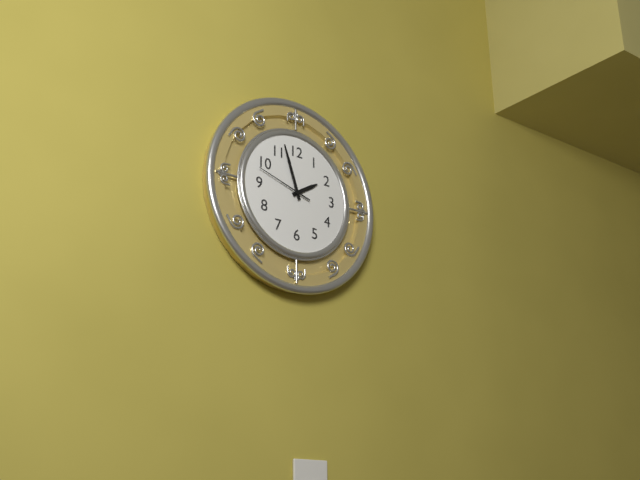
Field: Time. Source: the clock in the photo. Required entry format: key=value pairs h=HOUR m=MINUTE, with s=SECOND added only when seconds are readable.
h=1 m=57 s=48
